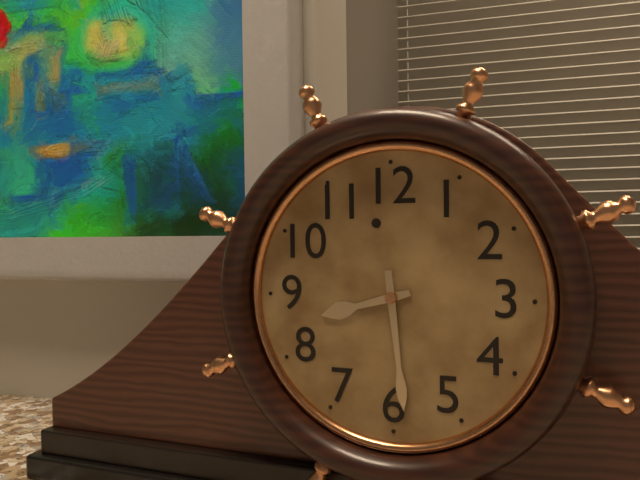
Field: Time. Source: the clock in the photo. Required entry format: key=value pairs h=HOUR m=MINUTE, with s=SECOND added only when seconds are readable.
h=8 m=29
